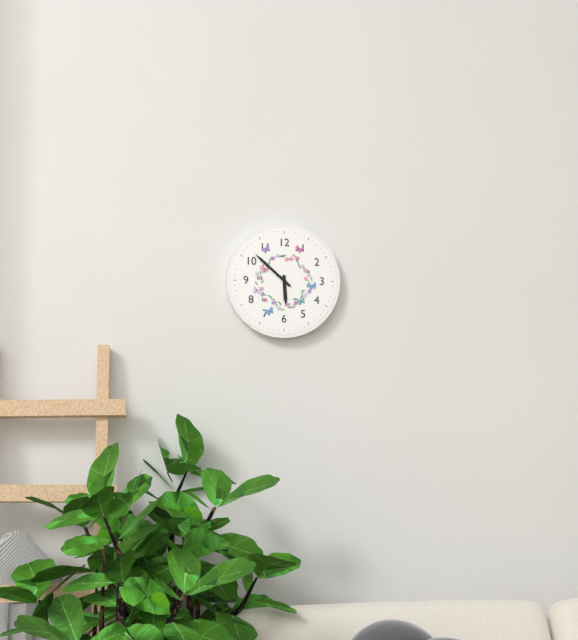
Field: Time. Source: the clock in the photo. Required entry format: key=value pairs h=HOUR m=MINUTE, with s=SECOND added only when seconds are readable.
h=5 m=52
